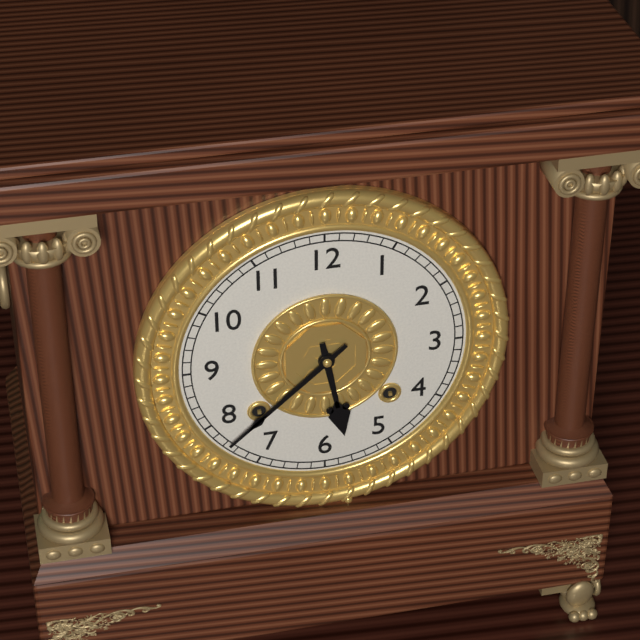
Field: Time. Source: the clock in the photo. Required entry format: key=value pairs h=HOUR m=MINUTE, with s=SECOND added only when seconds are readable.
h=5 m=38
